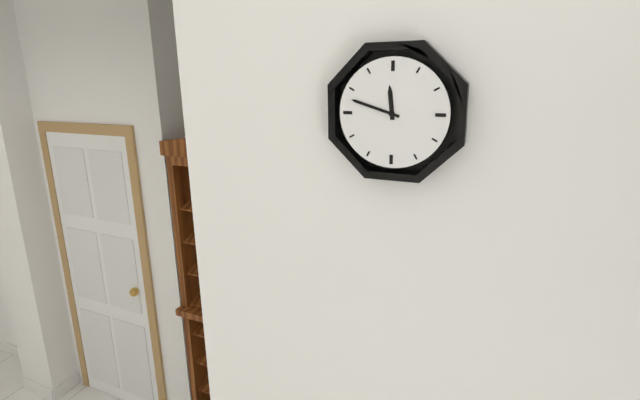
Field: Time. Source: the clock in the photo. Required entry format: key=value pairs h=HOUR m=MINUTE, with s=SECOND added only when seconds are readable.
h=11 m=48
